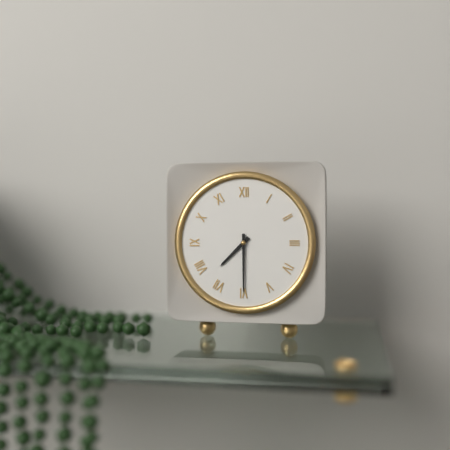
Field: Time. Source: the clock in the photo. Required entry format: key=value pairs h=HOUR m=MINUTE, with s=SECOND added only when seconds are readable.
h=7 m=30
